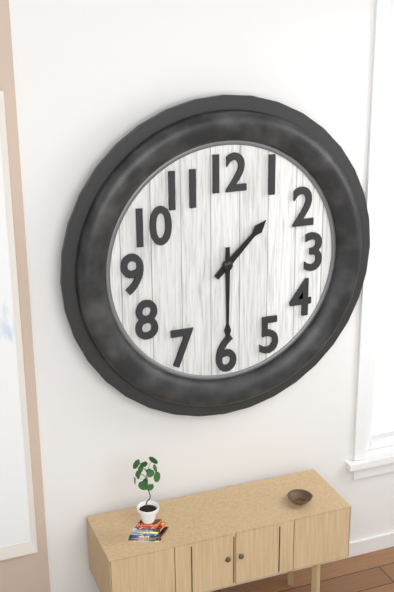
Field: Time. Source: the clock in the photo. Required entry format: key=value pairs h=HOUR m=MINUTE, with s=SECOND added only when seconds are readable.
h=1 m=30
